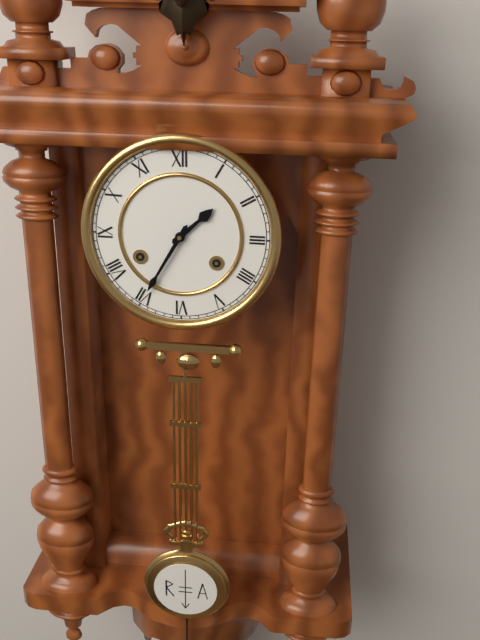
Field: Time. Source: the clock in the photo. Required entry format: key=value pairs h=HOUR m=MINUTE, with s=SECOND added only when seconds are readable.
h=1 m=35
